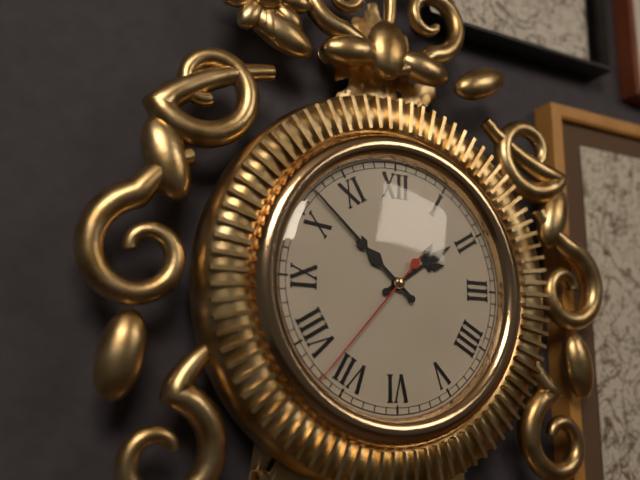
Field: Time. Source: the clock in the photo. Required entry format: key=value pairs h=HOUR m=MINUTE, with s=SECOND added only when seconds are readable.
h=1 m=52 s=37
